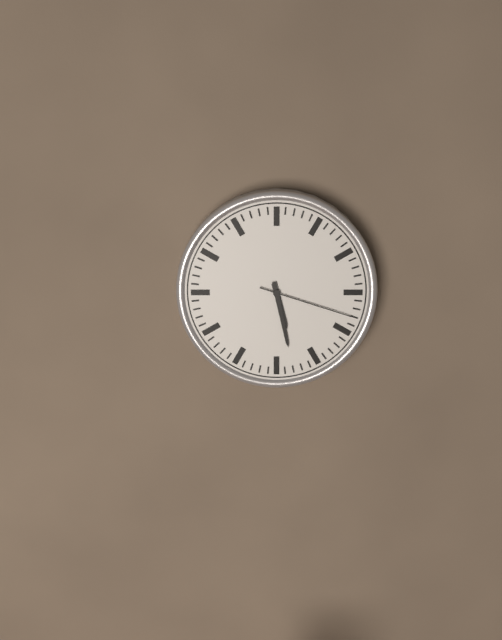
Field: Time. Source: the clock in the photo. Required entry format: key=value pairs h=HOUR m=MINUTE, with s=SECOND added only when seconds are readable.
h=5 m=28 s=18
